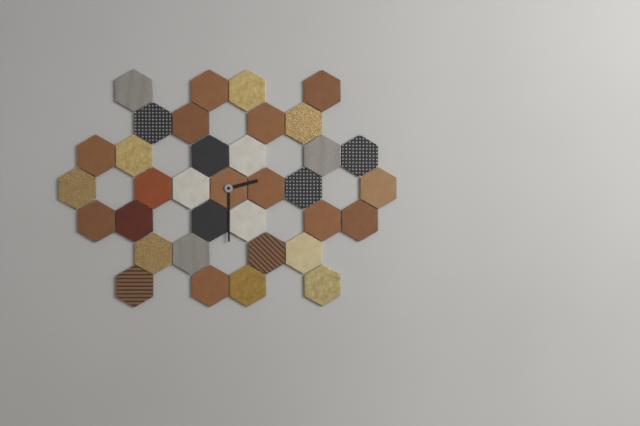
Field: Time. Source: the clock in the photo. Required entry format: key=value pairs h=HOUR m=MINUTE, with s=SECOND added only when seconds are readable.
h=2 m=30
